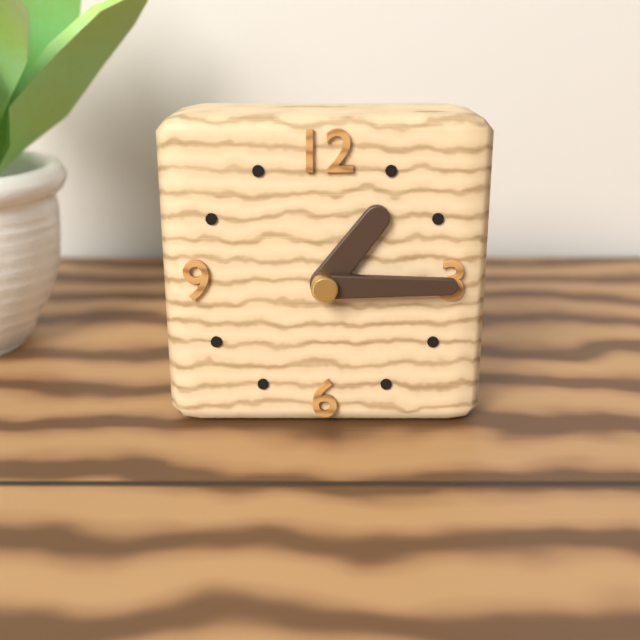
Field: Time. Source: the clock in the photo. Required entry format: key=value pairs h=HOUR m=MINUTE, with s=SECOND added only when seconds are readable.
h=1 m=15
